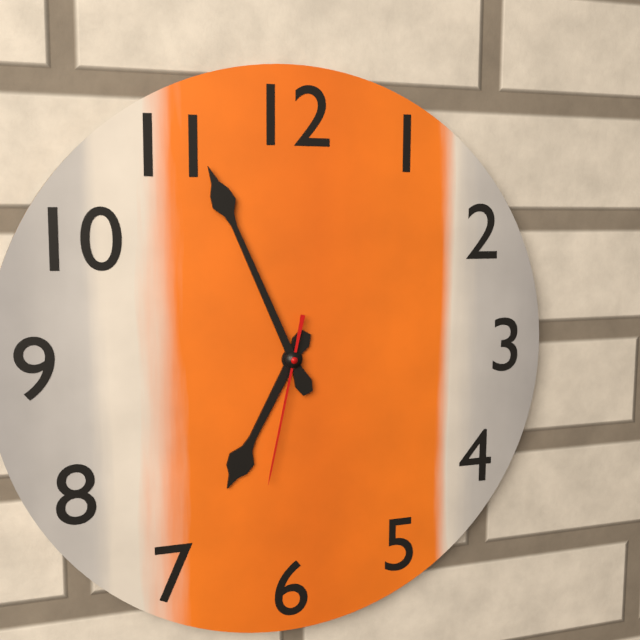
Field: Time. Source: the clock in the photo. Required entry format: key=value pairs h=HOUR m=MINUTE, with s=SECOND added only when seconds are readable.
h=6 m=56 s=32
